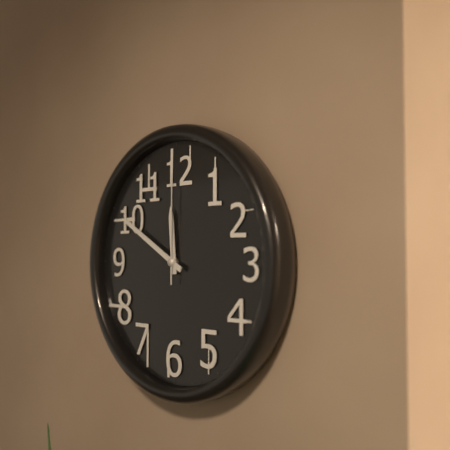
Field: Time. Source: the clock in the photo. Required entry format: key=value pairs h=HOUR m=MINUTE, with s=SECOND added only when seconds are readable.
h=11 m=50 s=0
